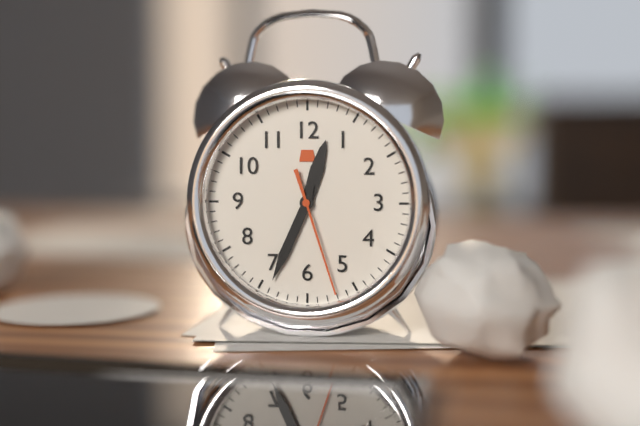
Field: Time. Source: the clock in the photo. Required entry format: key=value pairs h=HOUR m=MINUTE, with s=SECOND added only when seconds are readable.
h=12 m=34 s=27
